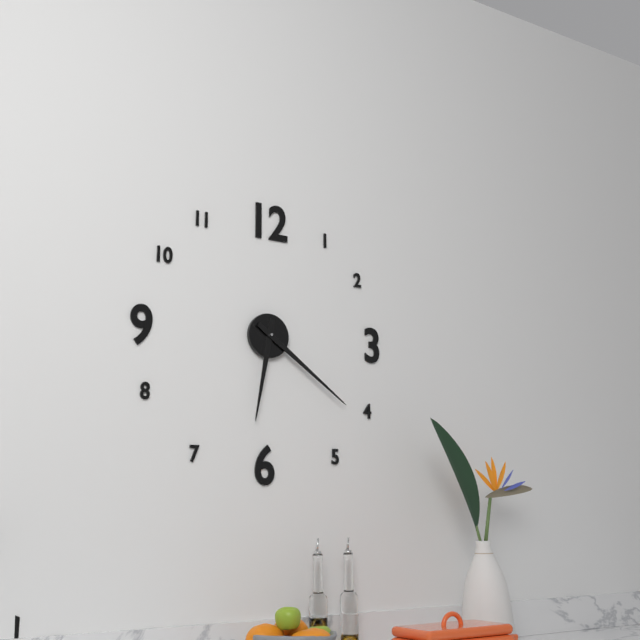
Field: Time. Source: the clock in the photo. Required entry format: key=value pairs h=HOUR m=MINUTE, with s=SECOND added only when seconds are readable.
h=6 m=21
